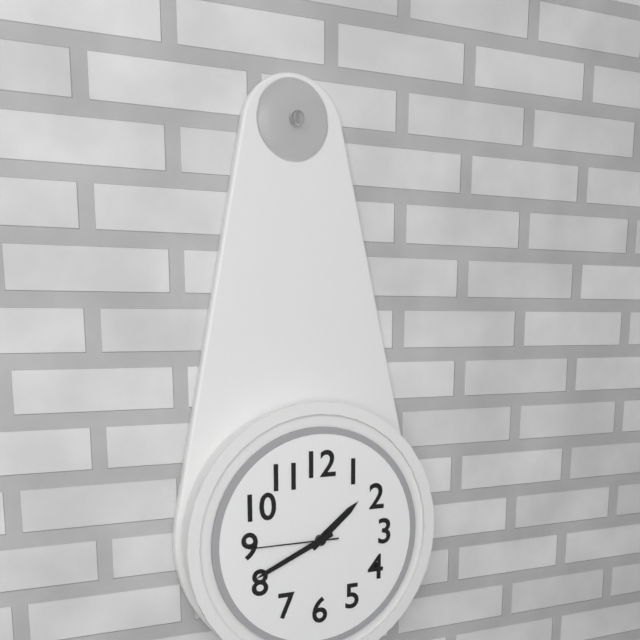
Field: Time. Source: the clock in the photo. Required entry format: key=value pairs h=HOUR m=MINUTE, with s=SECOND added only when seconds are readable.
h=1 m=41 s=45
